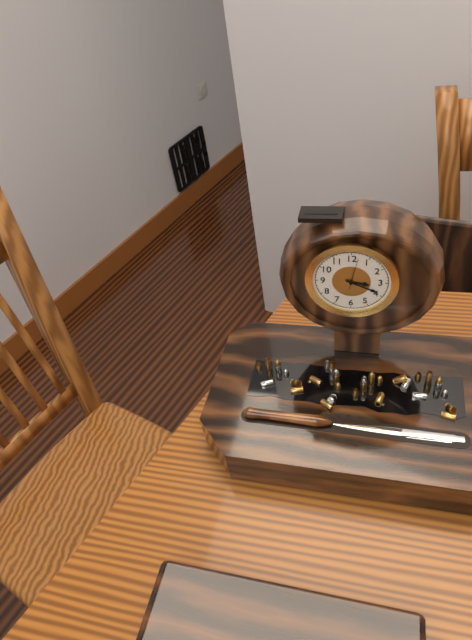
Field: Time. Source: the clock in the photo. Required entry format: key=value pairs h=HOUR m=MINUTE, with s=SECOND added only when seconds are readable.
h=3 m=19
